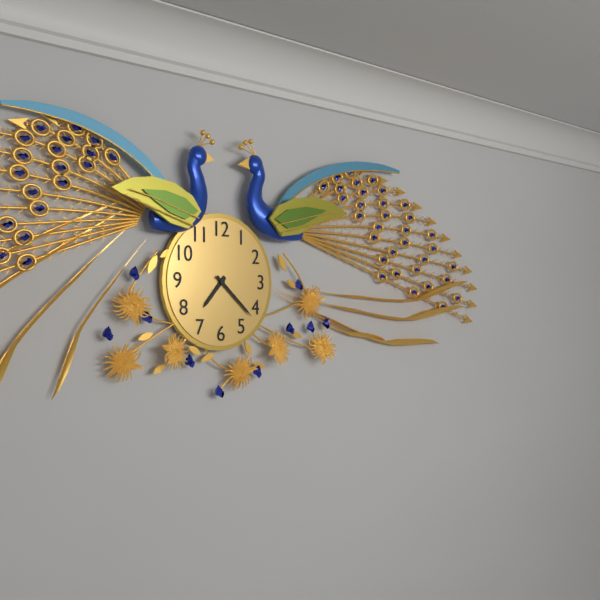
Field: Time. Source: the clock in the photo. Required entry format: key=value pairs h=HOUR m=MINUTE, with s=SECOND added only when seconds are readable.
h=7 m=22
